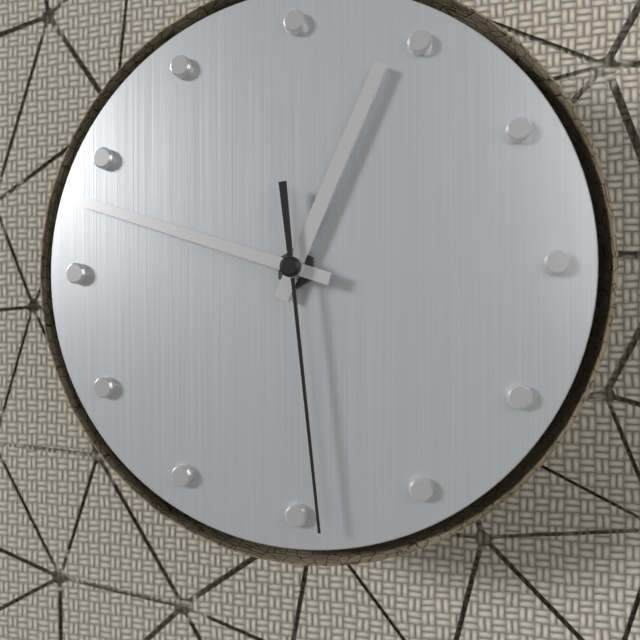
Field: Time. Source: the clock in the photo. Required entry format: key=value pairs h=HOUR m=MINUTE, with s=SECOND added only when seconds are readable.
h=12 m=48 s=29
